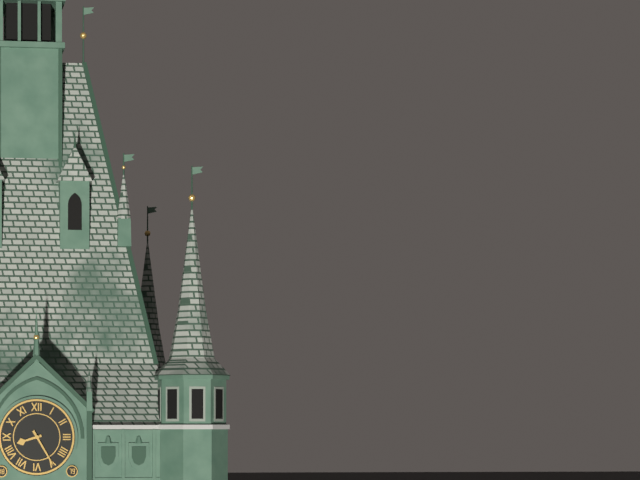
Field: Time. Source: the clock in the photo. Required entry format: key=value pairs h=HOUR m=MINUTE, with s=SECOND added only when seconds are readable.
h=8 m=25
